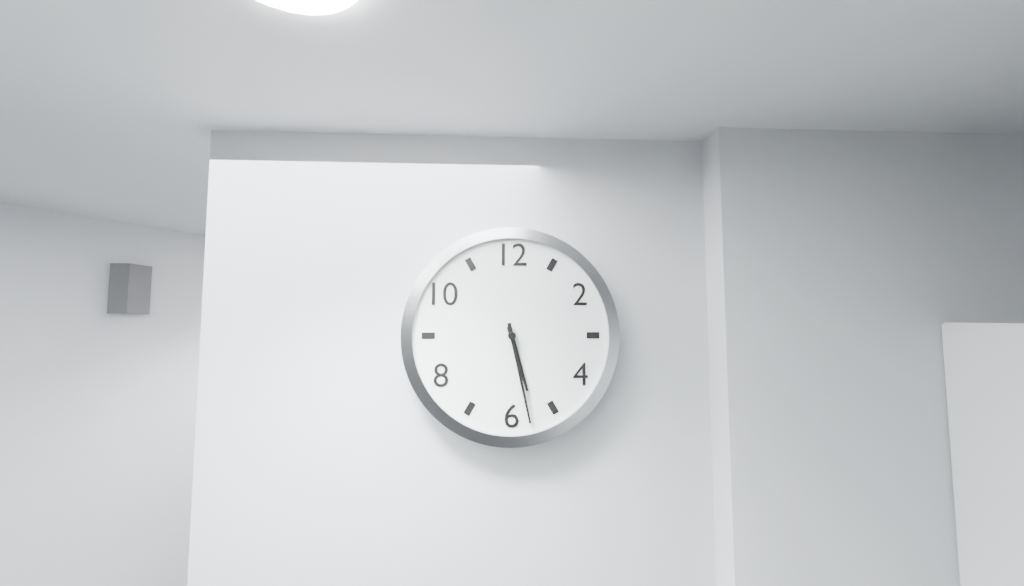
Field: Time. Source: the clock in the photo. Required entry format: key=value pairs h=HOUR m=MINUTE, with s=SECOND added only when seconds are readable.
h=5 m=28
